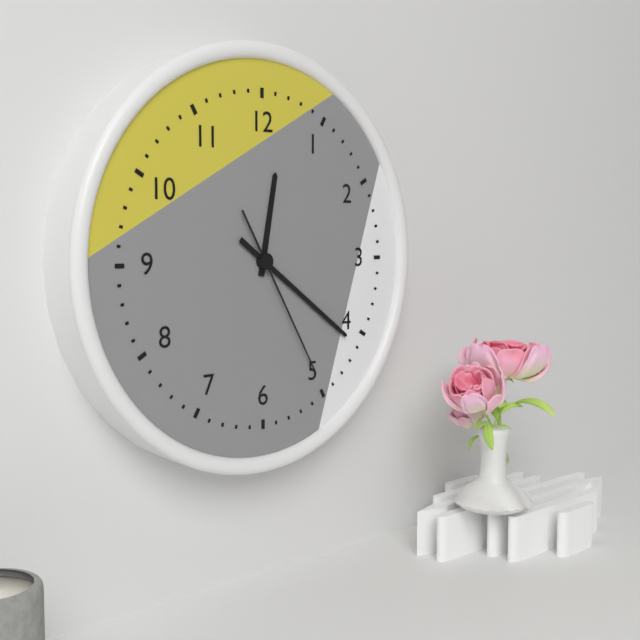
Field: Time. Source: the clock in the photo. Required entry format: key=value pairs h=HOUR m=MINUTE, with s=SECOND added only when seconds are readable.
h=12 m=21 s=25
